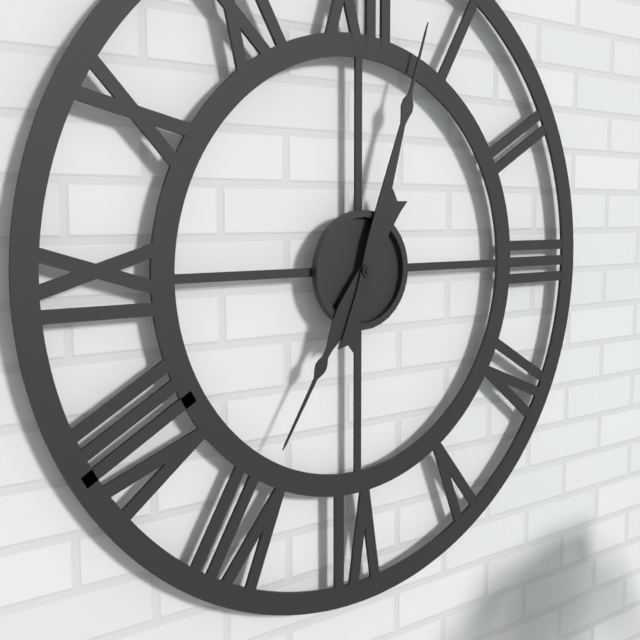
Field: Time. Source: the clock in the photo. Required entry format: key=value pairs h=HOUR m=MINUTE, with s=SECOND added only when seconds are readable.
h=7 m=3
